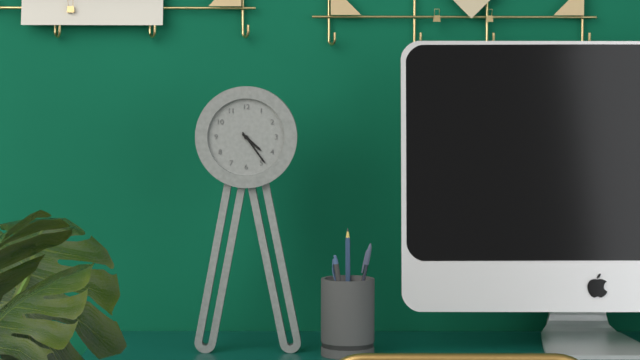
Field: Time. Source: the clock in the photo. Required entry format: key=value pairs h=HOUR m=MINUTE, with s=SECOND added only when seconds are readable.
h=4 m=24
